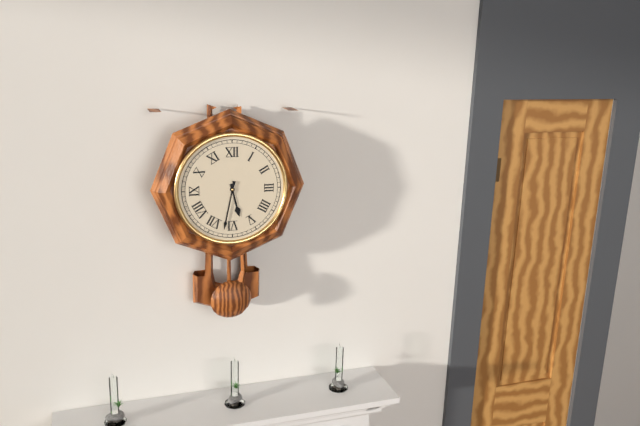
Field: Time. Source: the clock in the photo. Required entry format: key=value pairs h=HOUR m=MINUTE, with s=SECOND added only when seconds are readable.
h=5 m=32
